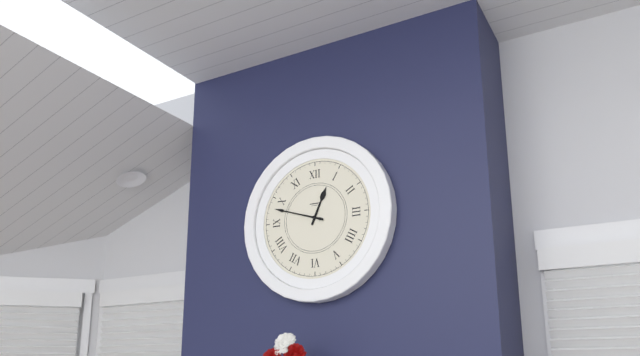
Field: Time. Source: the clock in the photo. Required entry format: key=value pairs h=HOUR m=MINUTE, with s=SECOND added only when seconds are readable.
h=12 m=48
